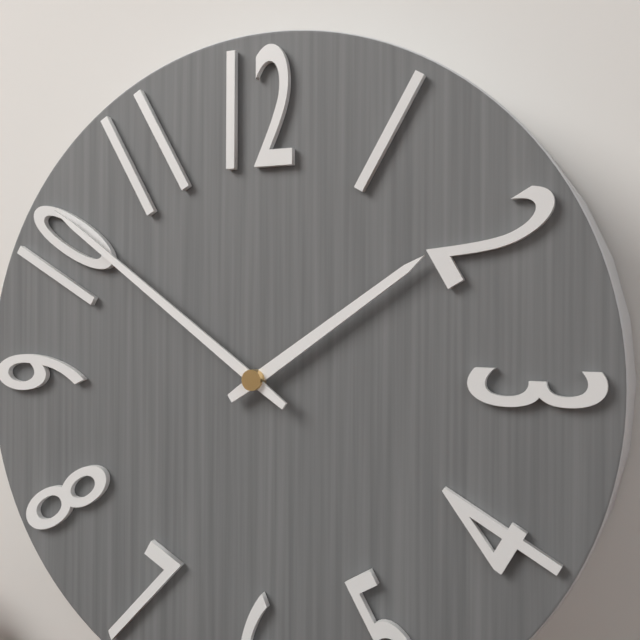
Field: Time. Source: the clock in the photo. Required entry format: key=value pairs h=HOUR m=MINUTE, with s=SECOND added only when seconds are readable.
h=1 m=51
